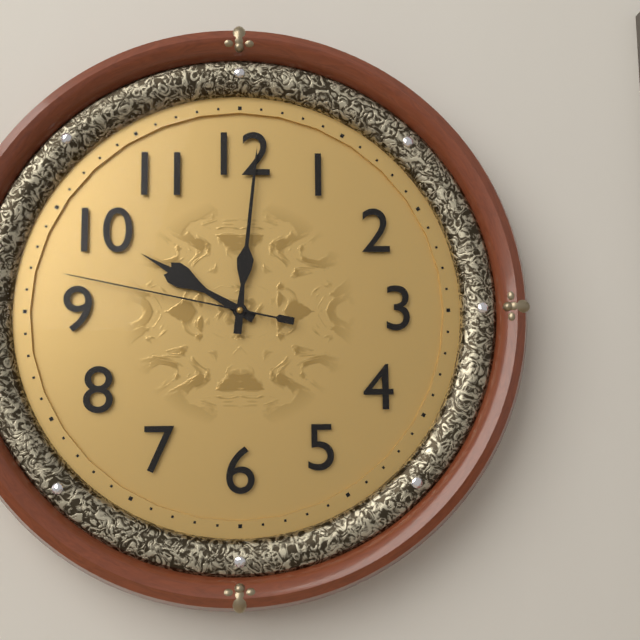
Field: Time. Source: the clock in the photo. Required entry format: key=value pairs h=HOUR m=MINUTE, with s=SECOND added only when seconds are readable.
h=10 m=1 s=47
